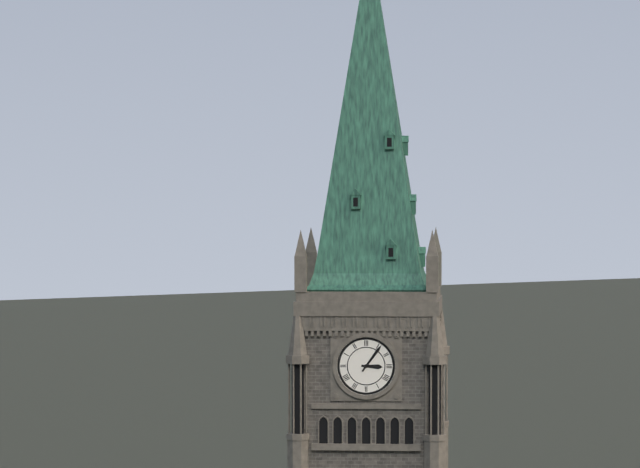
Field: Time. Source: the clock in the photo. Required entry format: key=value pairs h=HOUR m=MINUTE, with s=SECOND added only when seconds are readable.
h=3 m=6
